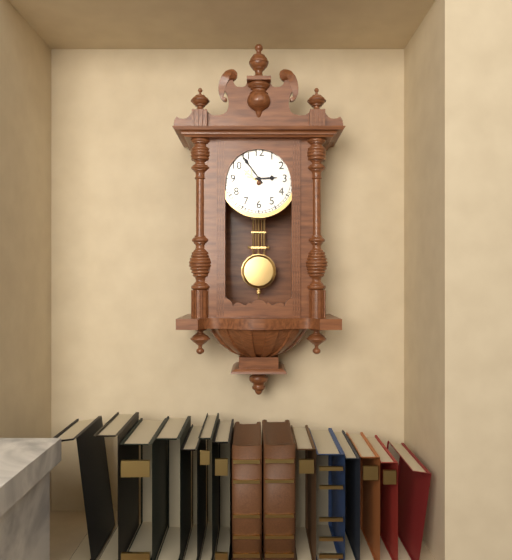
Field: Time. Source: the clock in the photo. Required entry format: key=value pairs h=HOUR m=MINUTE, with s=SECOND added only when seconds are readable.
h=2 m=54
